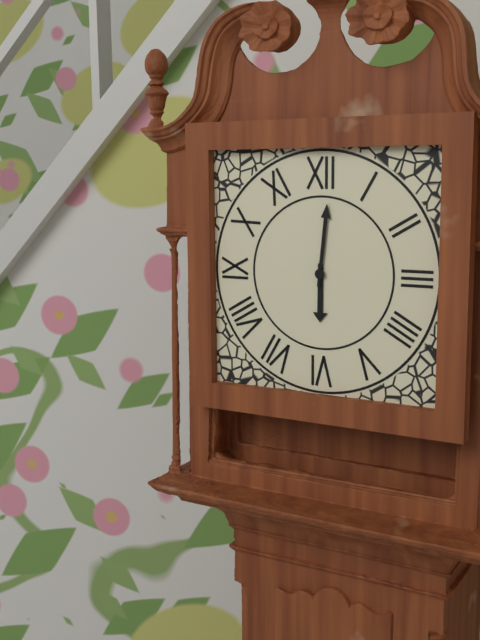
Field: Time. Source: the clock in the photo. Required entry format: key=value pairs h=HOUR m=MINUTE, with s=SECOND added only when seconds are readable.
h=6 m=1
